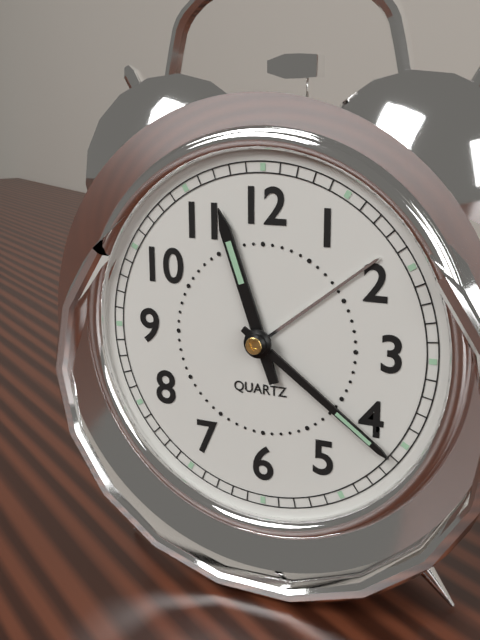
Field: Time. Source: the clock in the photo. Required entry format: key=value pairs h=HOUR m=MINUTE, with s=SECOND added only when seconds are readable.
h=11 m=21
